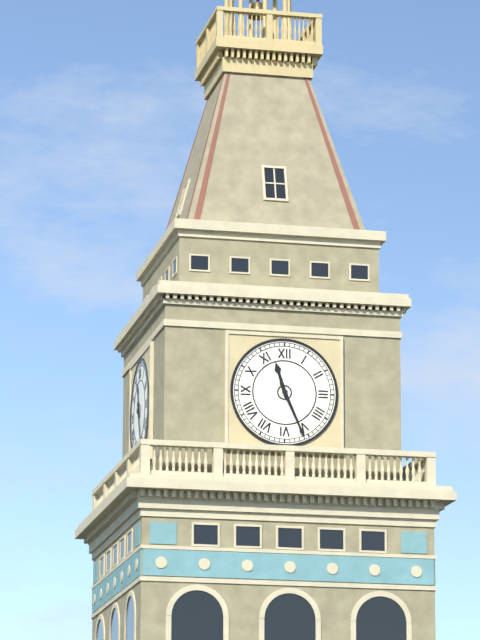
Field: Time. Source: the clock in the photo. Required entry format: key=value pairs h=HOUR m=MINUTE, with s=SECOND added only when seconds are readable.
h=11 m=26
